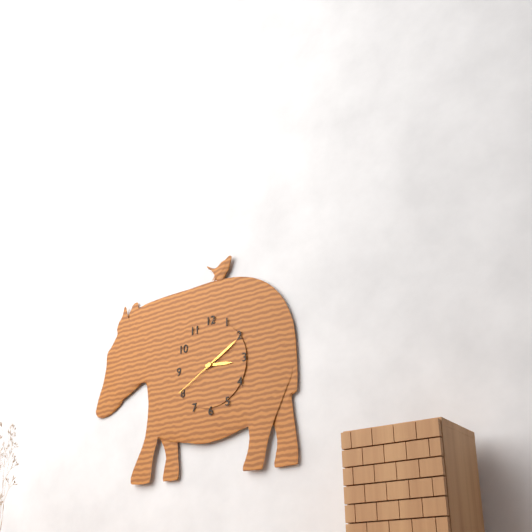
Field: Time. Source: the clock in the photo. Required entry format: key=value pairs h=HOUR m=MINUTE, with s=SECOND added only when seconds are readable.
h=3 m=10 s=40
